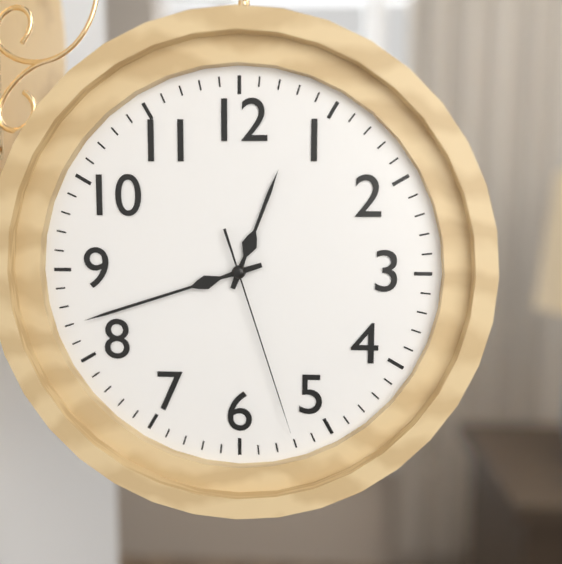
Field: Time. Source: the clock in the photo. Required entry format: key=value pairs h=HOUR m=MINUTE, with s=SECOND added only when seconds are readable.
h=12 m=42 s=27
